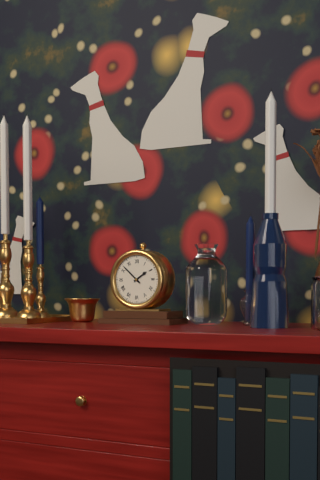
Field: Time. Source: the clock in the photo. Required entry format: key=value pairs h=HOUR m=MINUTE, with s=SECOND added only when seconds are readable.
h=1 m=52
